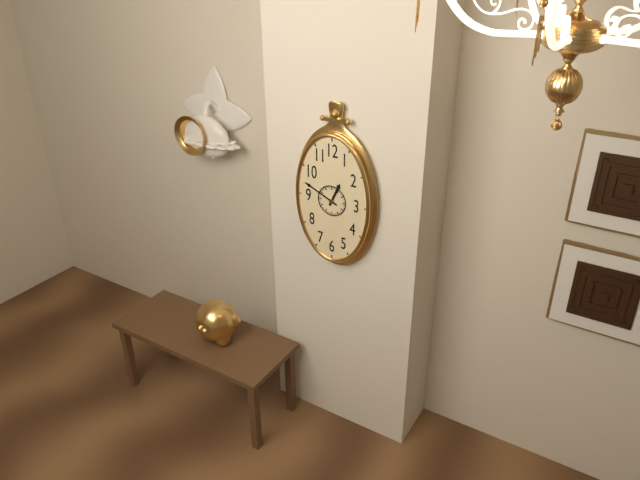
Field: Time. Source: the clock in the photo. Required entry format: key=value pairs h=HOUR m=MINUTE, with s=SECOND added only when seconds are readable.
h=12 m=49
